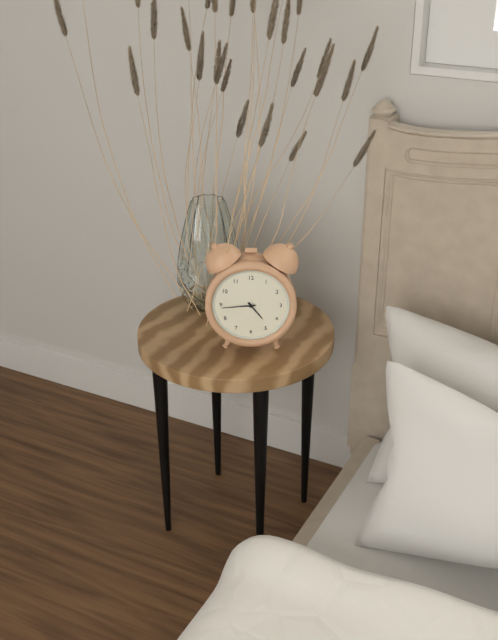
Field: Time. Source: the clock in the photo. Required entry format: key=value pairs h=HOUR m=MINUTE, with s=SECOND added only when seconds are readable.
h=4 m=44
